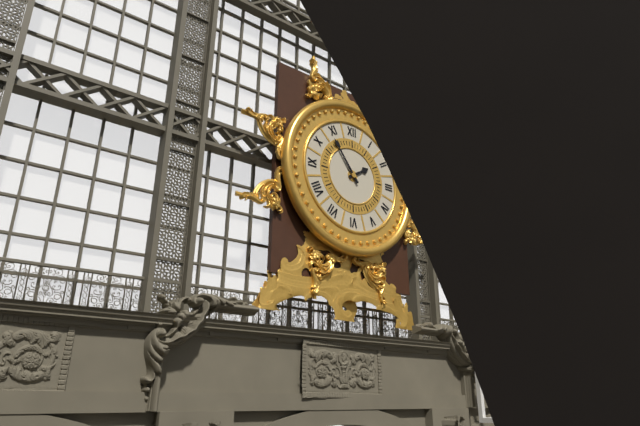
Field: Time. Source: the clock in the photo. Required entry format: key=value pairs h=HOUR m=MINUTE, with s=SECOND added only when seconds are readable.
h=1 m=54
